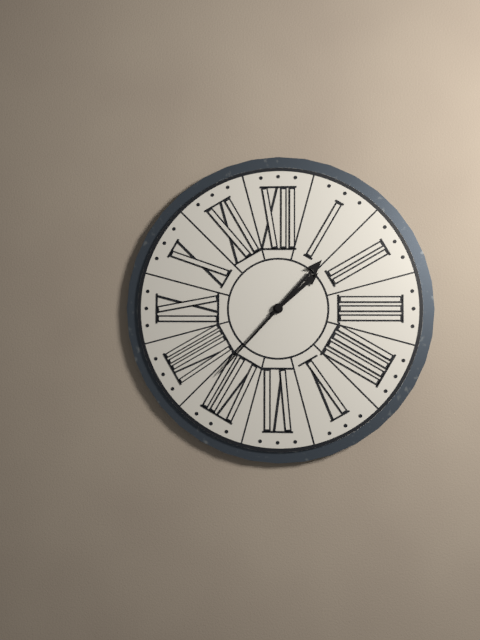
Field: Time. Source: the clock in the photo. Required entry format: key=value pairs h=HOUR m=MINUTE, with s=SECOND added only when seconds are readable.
h=1 m=37
